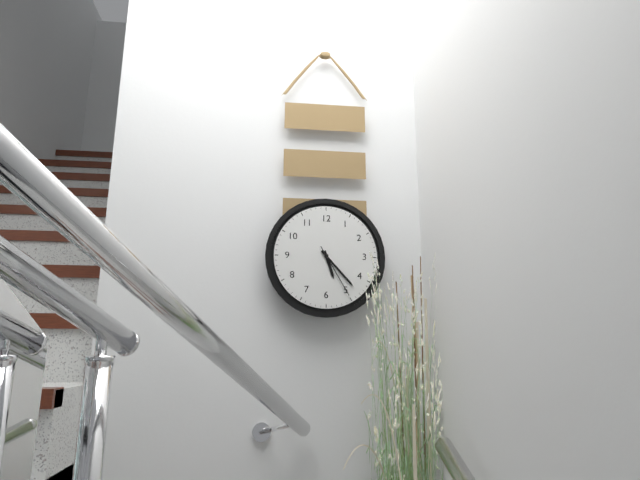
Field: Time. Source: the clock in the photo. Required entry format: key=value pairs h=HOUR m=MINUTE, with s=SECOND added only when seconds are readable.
h=5 m=23 s=25
